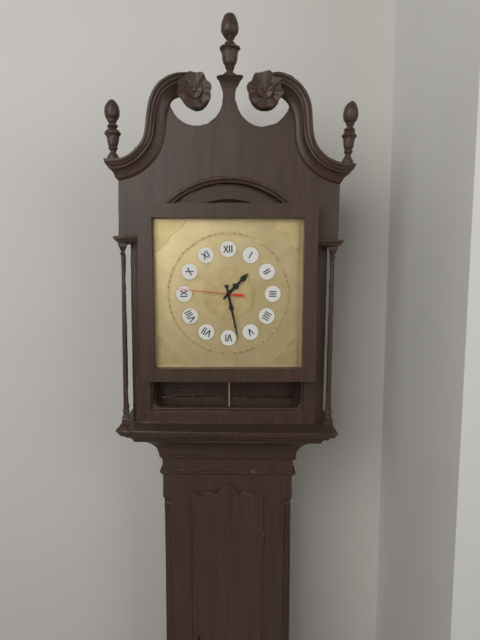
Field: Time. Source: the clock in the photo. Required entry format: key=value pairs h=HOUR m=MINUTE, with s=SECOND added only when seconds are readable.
h=1 m=28 s=46
